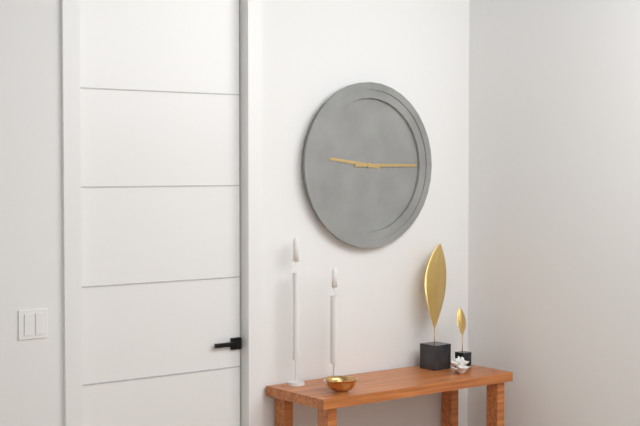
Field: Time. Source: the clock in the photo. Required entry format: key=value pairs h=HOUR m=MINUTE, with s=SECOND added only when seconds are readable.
h=9 m=15
